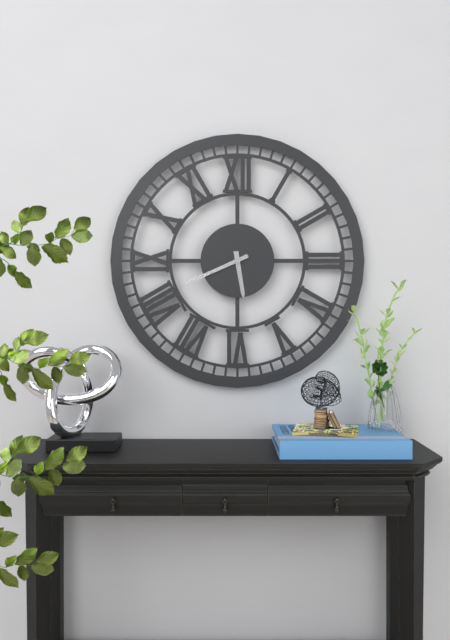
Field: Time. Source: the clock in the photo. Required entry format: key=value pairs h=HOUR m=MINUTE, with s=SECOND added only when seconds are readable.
h=5 m=41
